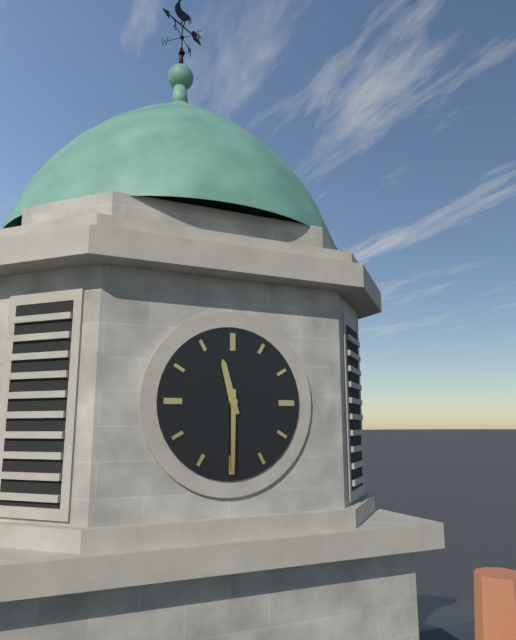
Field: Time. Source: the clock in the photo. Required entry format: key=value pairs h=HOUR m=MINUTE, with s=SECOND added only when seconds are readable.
h=11 m=30
